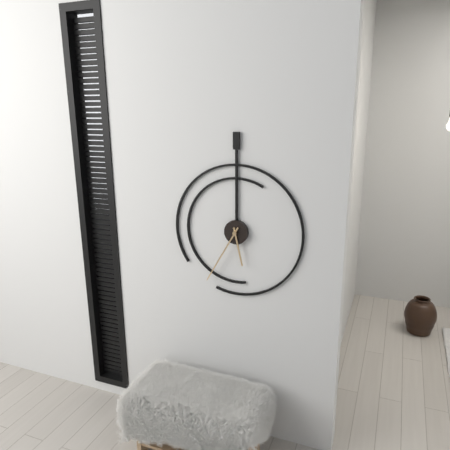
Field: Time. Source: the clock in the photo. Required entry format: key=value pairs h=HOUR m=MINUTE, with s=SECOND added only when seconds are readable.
h=5 m=35
